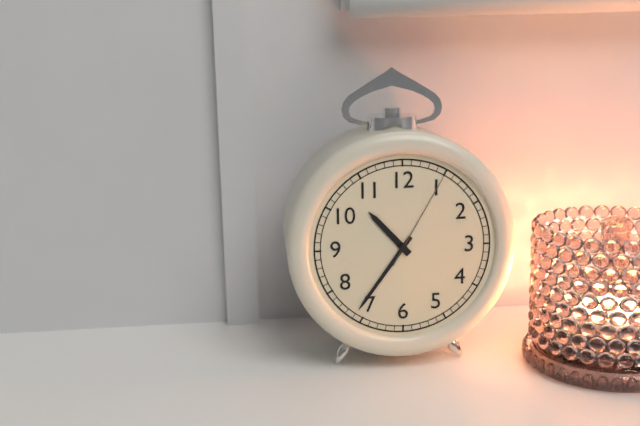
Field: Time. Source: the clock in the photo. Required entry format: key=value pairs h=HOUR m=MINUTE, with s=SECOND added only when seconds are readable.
h=10 m=36 s=5
